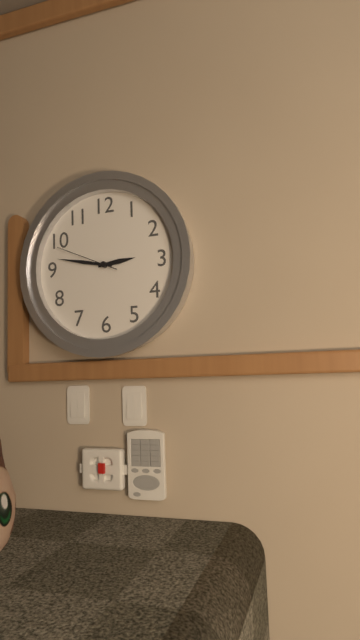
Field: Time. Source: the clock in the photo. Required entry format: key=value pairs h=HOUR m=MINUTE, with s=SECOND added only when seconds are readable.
h=2 m=47 s=49
